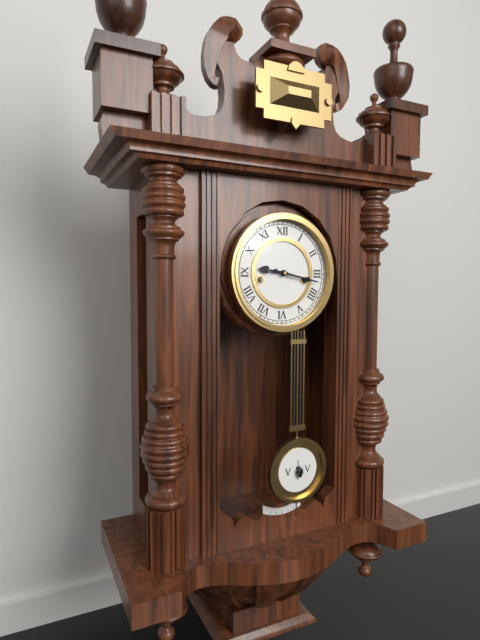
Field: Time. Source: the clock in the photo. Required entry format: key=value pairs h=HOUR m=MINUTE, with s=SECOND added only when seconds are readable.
h=9 m=17
